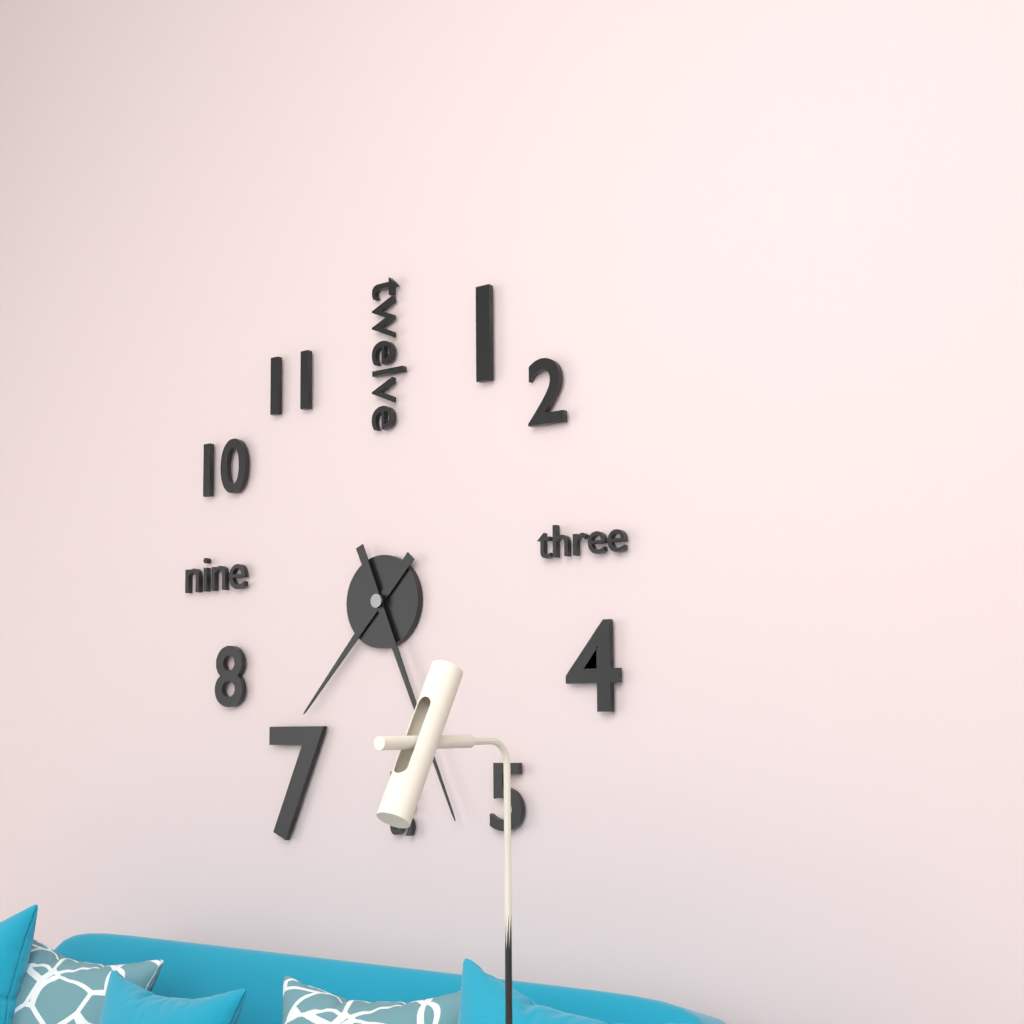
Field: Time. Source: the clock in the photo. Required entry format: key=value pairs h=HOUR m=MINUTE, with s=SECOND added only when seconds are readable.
h=7 m=26
